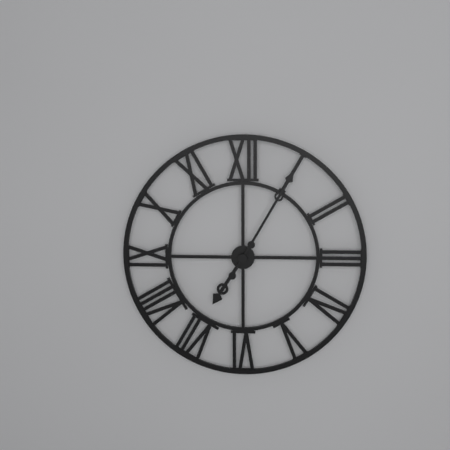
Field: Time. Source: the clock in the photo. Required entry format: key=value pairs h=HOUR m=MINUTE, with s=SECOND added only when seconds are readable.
h=7 m=5
